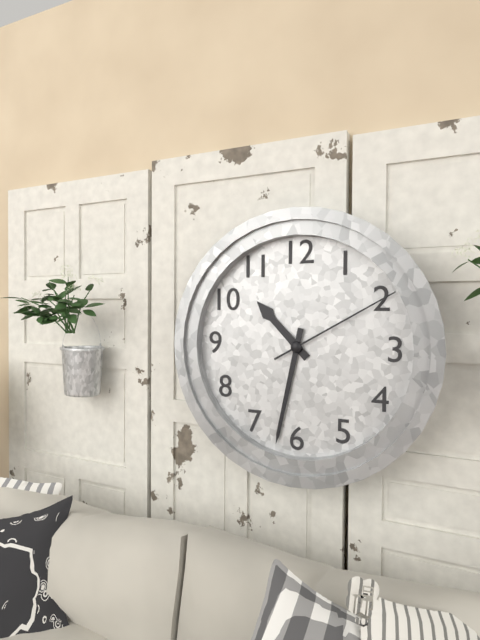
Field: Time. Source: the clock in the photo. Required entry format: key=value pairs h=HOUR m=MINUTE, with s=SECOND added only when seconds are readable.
h=10 m=32 s=10
